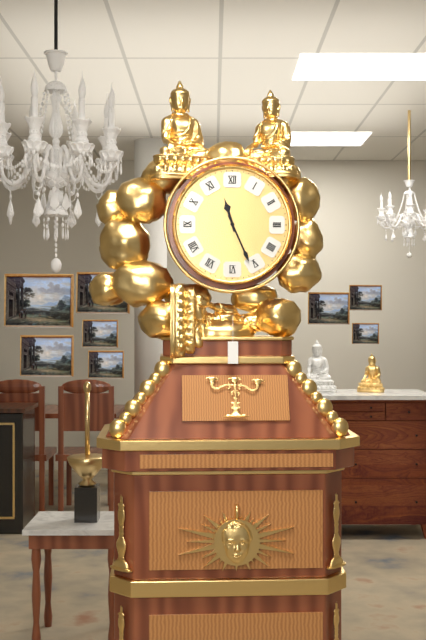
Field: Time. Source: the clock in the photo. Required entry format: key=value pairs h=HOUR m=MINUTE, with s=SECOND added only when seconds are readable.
h=11 m=26
